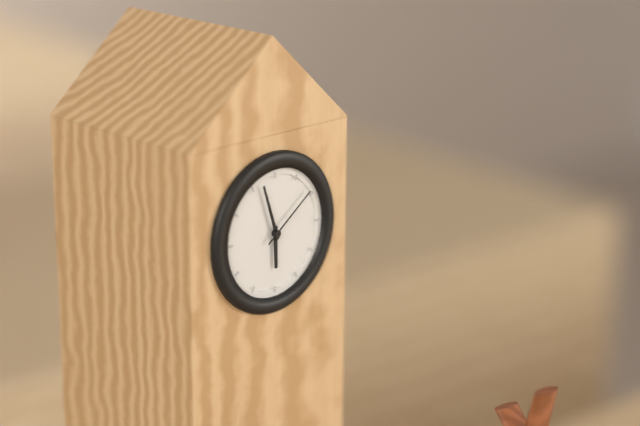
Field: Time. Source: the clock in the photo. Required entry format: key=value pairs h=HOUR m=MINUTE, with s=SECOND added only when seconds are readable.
h=5 m=57 s=9
